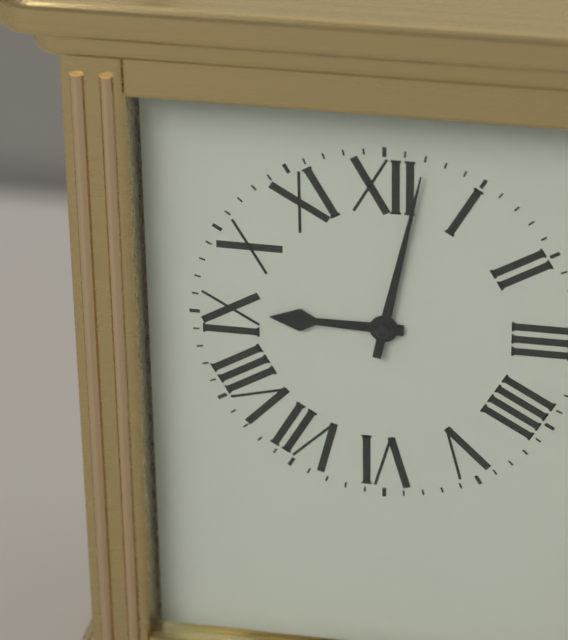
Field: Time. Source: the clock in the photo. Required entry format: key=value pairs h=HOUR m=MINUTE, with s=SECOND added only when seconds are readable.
h=9 m=2
